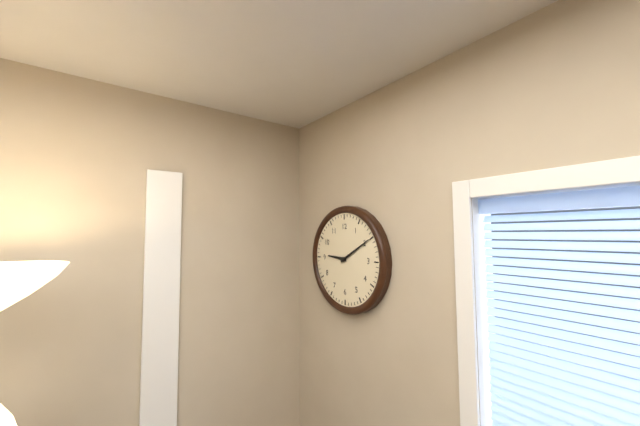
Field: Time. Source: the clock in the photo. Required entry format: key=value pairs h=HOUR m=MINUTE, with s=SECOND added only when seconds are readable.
h=9 m=10
